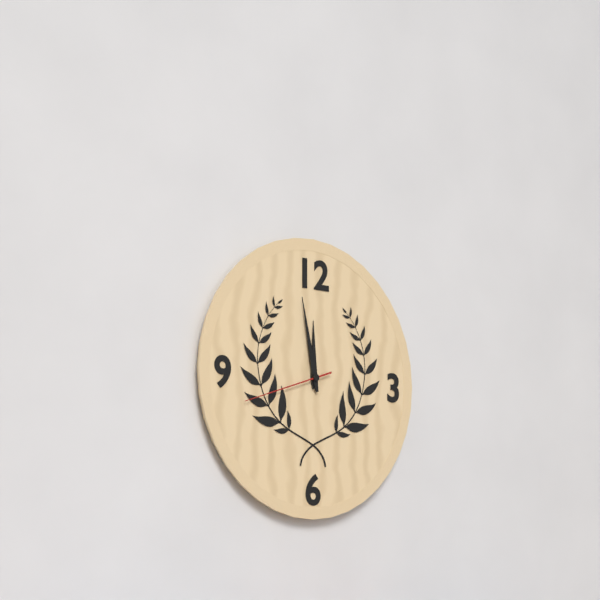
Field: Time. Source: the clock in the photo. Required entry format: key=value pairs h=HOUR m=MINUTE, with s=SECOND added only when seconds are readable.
h=11 m=58 s=42
